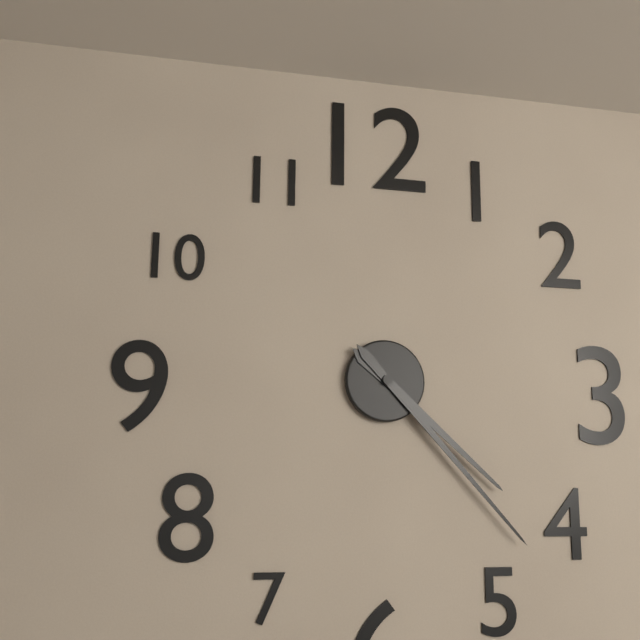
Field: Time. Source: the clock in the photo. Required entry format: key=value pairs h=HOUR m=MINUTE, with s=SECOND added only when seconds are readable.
h=4 m=23
